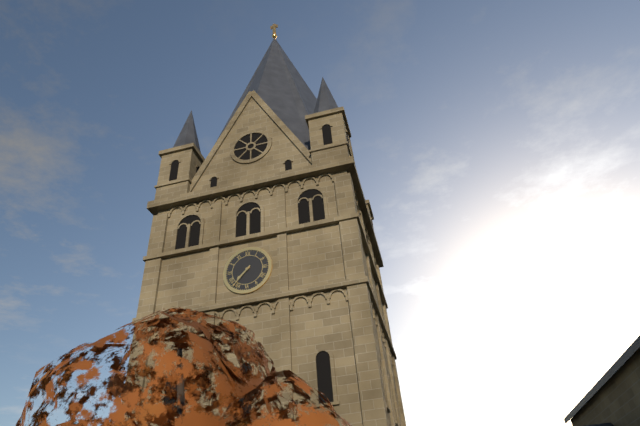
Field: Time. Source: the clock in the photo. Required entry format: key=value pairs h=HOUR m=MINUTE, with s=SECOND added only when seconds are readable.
h=7 m=37
